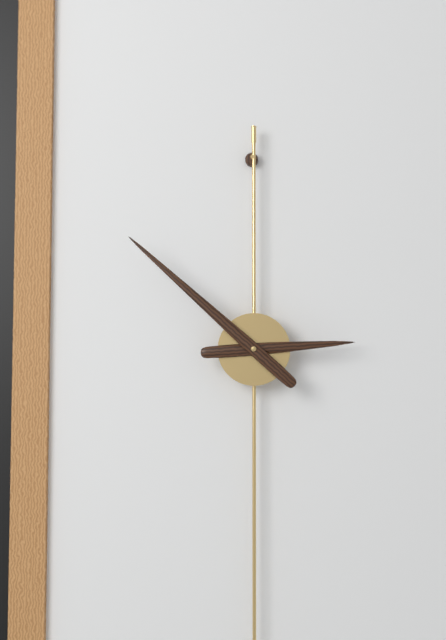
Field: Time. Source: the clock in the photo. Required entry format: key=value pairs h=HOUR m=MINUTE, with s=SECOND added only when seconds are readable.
h=2 m=52
